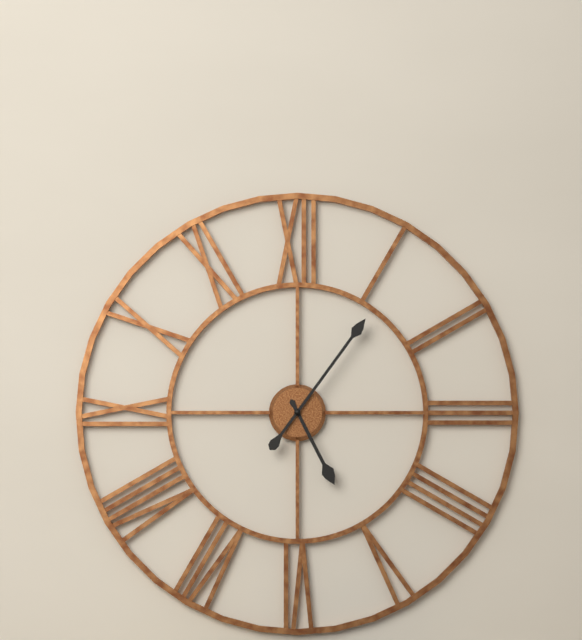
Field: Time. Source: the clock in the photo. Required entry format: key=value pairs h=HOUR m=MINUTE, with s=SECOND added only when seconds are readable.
h=5 m=6
